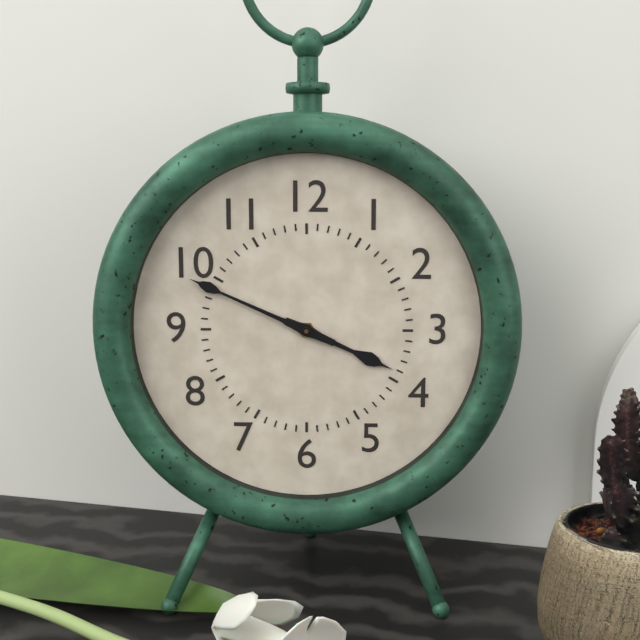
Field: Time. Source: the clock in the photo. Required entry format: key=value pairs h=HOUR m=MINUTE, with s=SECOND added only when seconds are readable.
h=3 m=49
